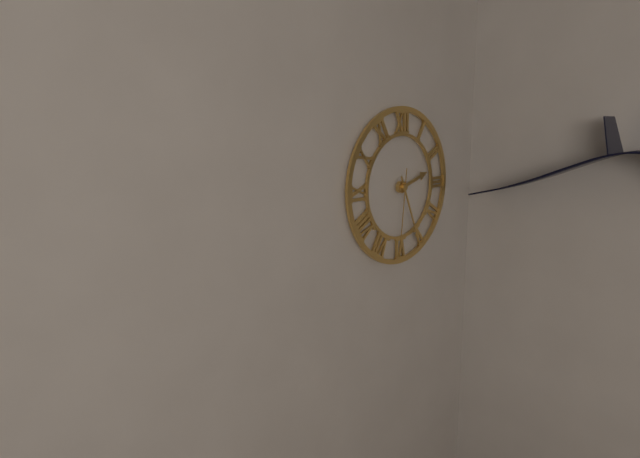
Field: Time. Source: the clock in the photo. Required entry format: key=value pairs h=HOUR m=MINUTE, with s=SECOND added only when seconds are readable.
h=2 m=26 s=31
